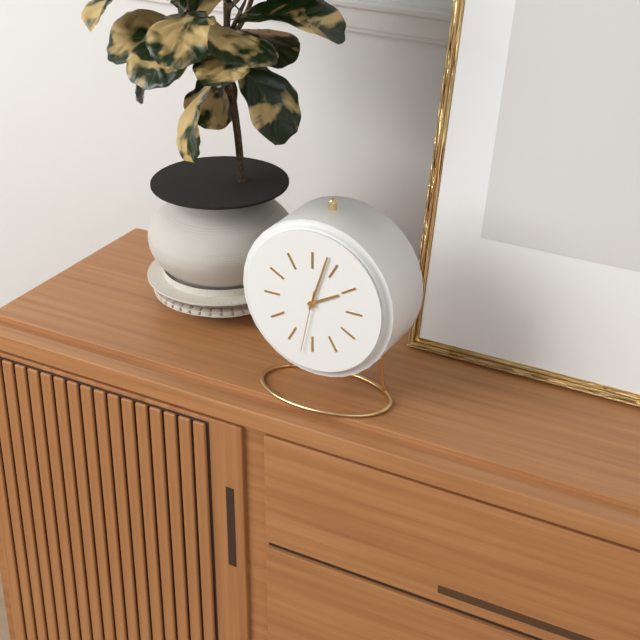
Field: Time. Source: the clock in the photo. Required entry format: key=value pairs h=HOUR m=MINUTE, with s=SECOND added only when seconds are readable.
h=2 m=3 s=32
